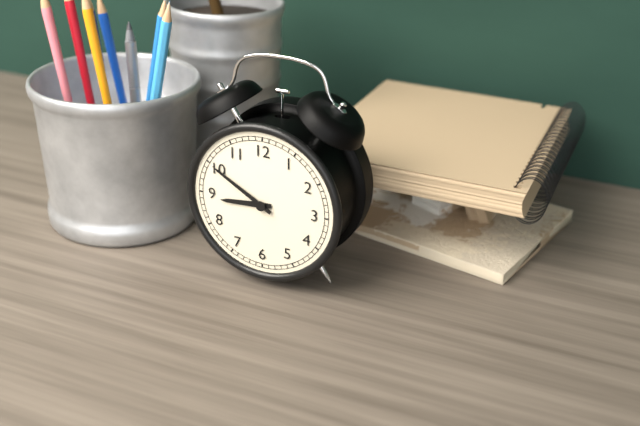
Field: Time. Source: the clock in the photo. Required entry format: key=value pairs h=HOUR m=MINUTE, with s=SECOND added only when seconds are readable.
h=8 m=50
